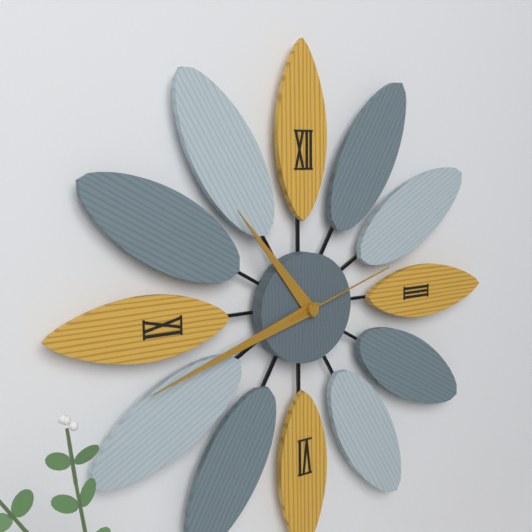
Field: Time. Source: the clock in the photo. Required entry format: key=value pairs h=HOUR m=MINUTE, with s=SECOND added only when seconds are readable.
h=10 m=42 s=12
